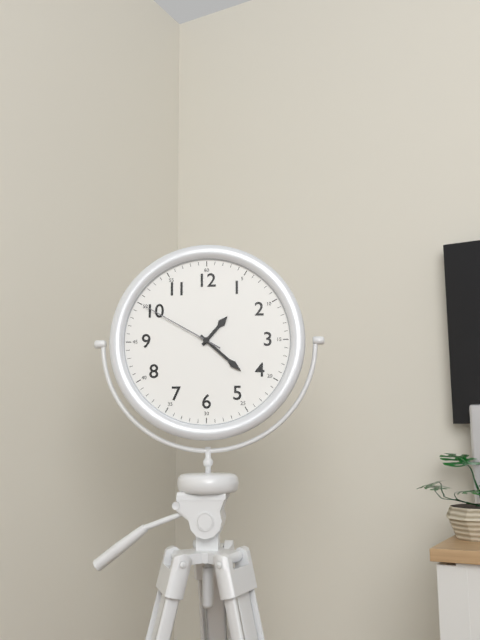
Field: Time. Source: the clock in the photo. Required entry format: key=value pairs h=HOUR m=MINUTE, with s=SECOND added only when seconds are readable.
h=1 m=22 s=50
